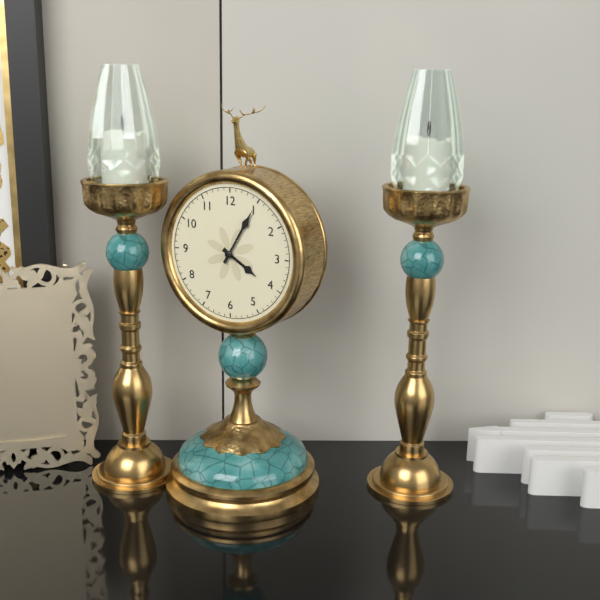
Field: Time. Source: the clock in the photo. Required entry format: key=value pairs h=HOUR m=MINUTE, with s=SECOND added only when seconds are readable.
h=4 m=5
